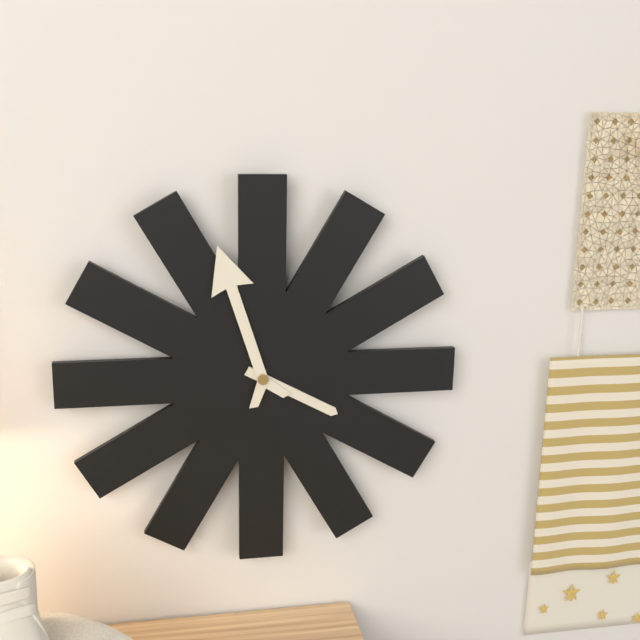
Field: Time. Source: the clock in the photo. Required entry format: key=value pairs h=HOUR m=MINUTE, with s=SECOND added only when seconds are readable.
h=3 m=57
